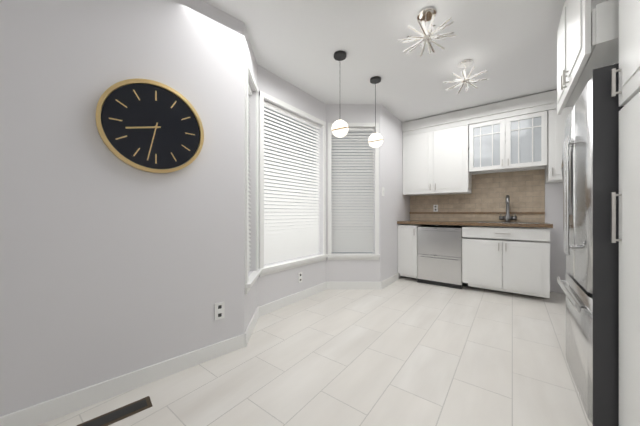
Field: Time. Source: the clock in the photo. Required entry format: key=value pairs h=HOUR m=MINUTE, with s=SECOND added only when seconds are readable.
h=8 m=32
